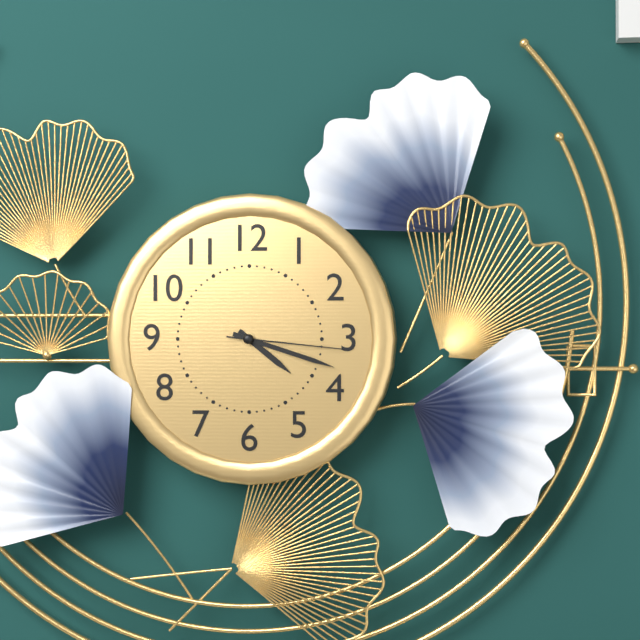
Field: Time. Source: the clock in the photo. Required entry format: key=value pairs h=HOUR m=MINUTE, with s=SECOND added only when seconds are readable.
h=4 m=18 s=16
